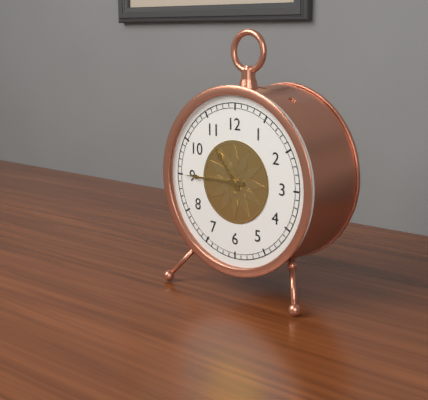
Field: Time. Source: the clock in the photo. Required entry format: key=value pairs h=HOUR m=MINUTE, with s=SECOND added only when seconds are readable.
h=10 m=45
